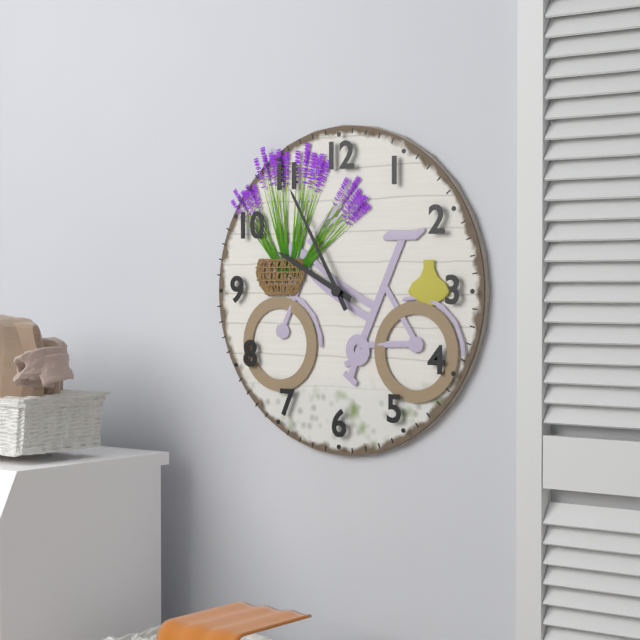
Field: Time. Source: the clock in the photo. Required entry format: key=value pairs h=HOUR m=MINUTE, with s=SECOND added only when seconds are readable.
h=9 m=55
